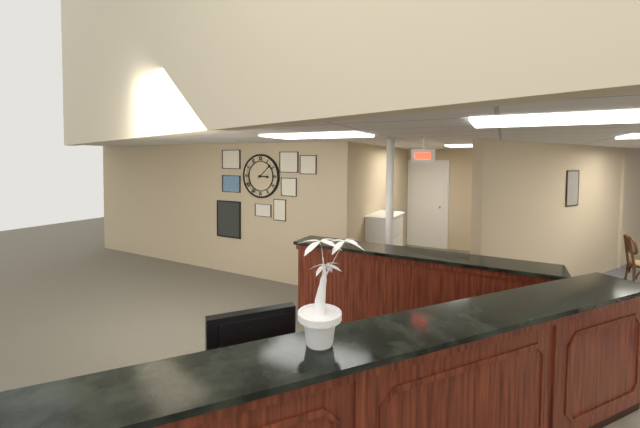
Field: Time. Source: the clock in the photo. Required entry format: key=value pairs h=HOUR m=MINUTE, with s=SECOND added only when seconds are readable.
h=3 m=8
